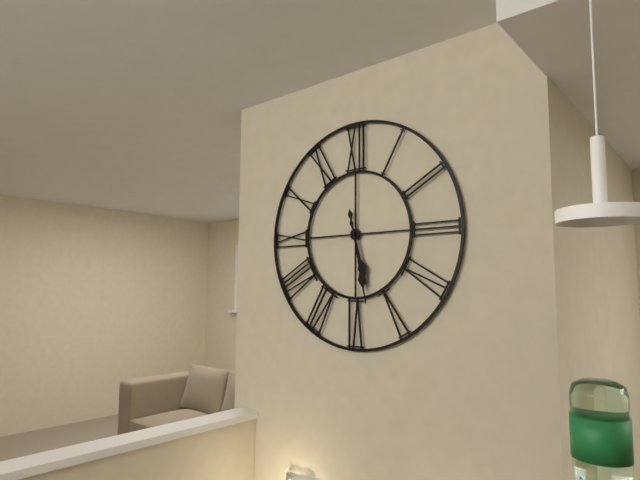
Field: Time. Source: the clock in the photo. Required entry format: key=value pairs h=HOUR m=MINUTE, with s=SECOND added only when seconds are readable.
h=5 m=28
